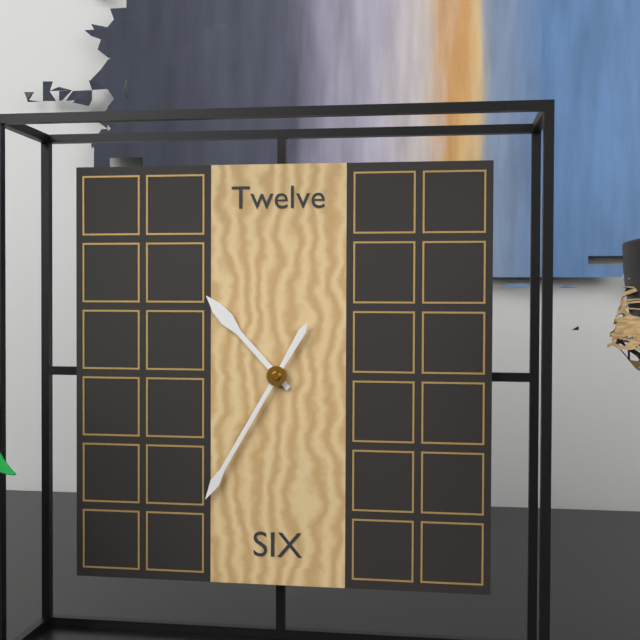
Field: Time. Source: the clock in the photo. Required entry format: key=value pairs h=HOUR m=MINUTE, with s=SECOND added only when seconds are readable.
h=10 m=35
